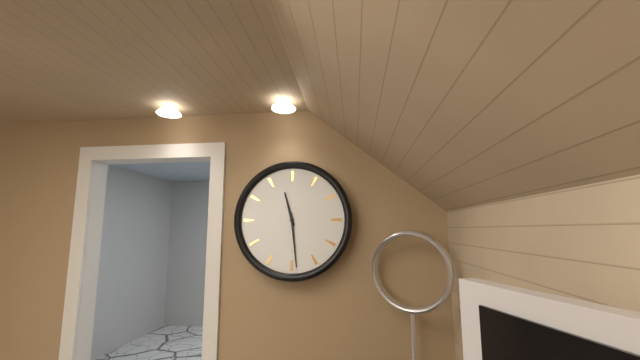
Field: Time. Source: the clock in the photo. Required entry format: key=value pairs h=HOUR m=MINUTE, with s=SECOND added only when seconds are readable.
h=11 m=29
